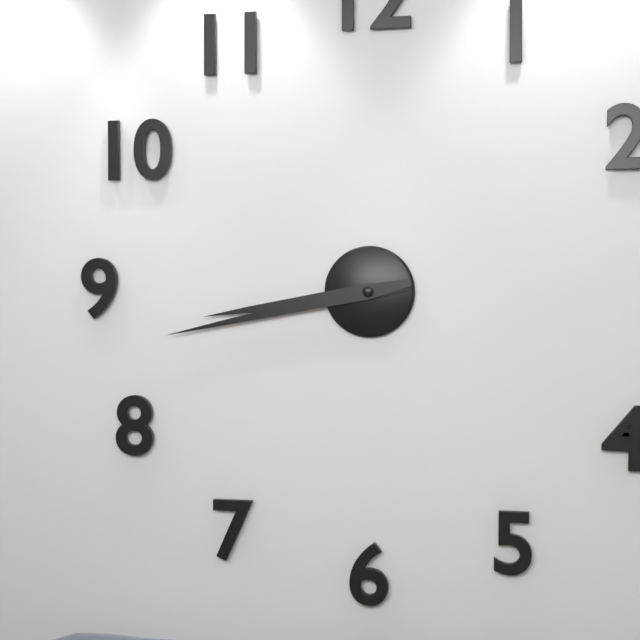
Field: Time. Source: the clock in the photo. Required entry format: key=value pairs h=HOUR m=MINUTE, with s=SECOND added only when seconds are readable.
h=8 m=43
